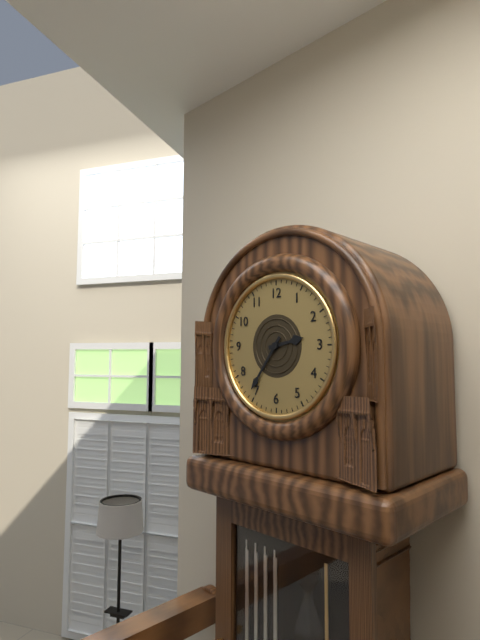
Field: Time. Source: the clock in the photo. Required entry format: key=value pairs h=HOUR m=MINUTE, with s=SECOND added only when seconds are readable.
h=2 m=36
